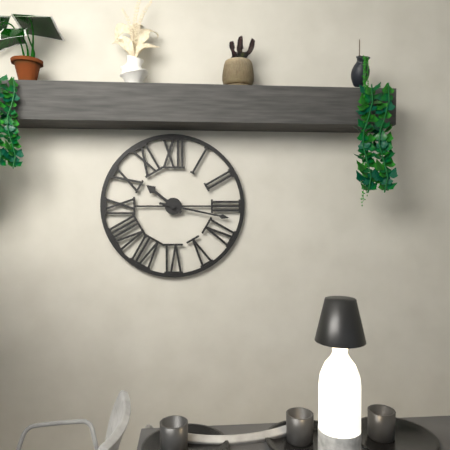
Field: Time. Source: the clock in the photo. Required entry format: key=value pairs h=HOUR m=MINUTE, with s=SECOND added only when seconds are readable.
h=10 m=17
